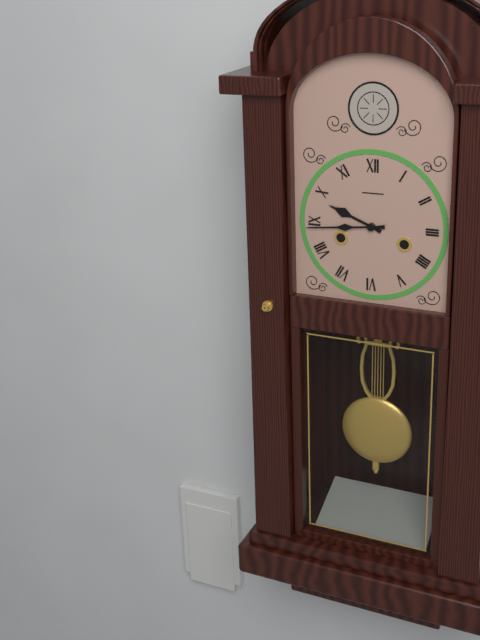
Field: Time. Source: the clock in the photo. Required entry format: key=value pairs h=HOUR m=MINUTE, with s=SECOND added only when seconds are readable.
h=9 m=44
